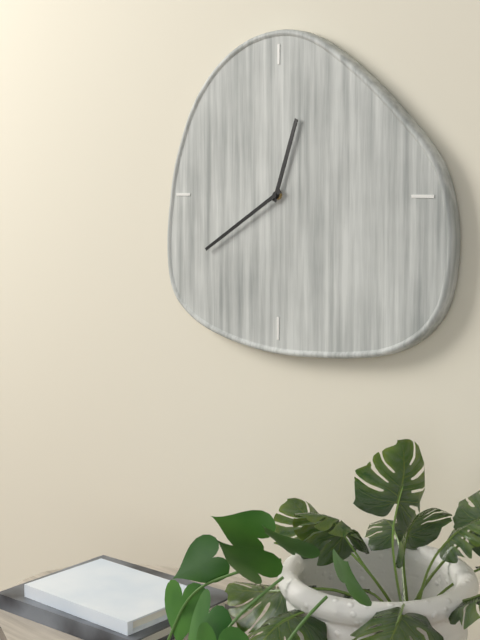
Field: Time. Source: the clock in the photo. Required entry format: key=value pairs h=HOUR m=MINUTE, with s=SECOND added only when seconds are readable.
h=12 m=40
